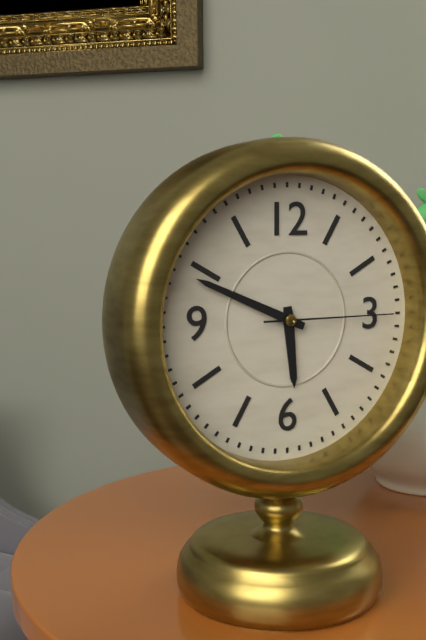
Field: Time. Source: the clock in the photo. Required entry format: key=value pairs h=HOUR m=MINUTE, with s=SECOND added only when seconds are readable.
h=5 m=49 s=15
